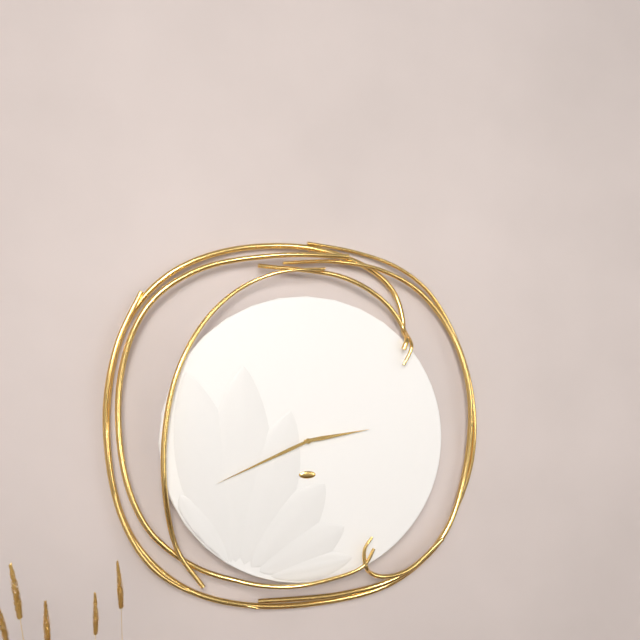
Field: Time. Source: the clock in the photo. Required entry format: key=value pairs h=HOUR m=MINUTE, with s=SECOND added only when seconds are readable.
h=2 m=41
